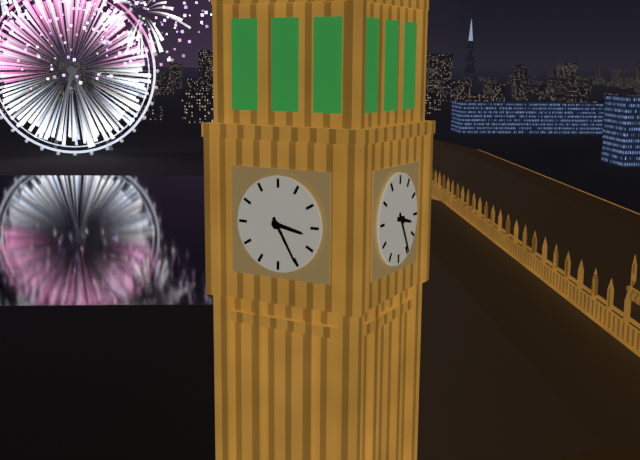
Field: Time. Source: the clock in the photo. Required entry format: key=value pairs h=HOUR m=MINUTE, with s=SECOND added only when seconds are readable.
h=3 m=25
